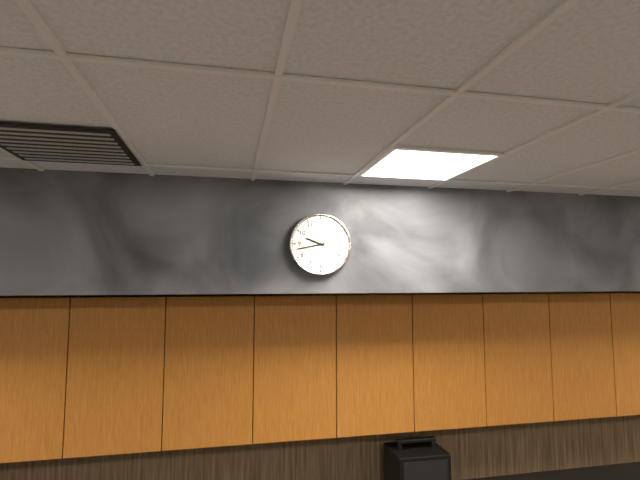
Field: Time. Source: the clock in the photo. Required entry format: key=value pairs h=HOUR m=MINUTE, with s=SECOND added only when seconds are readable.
h=9 m=43
